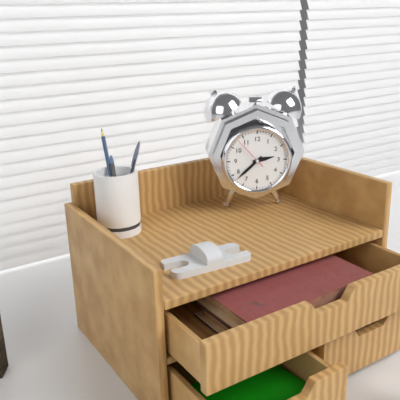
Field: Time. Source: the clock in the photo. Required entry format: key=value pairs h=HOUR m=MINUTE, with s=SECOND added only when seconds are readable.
h=2 m=38
